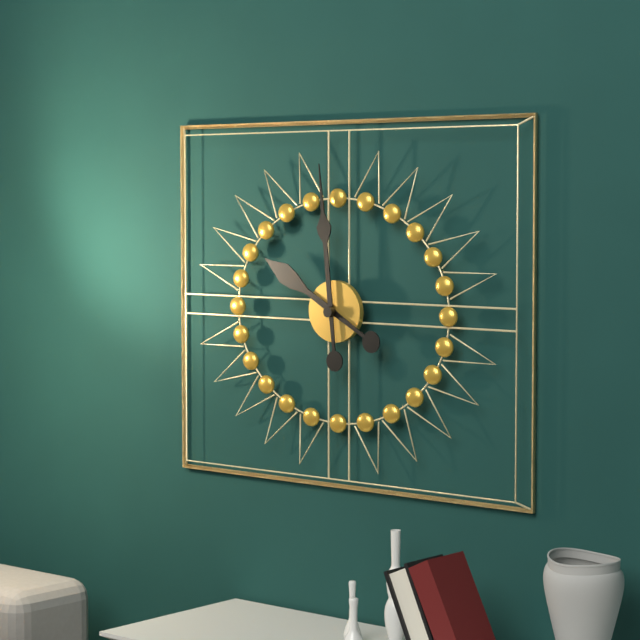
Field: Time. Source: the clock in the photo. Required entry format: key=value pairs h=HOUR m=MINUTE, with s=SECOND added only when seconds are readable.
h=9 m=59
